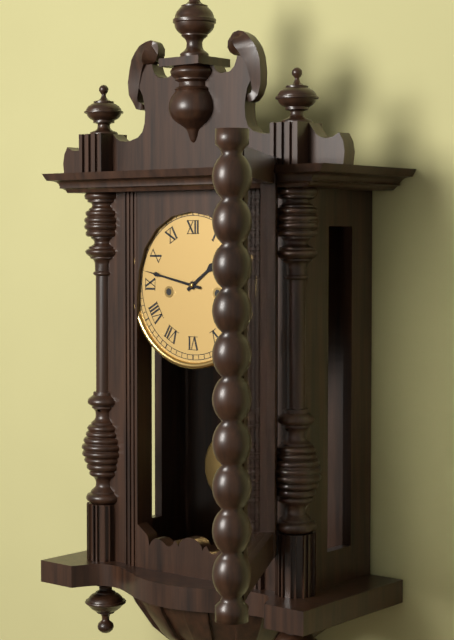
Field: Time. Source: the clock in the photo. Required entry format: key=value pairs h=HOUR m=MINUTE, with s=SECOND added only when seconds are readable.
h=1 m=47
